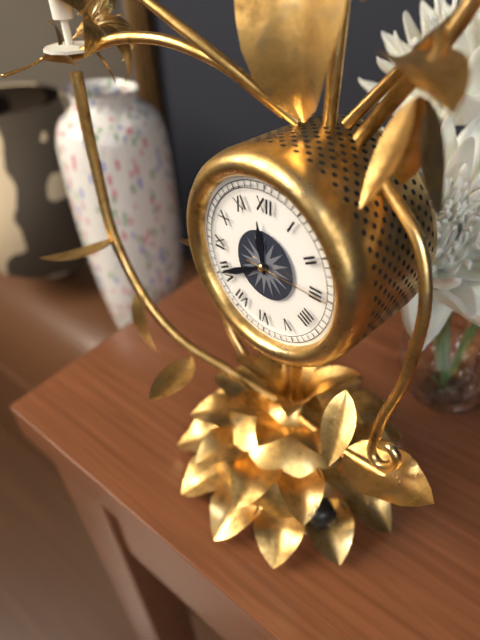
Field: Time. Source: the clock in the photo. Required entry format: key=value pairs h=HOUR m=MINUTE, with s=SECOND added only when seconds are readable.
h=11 m=40 s=15
